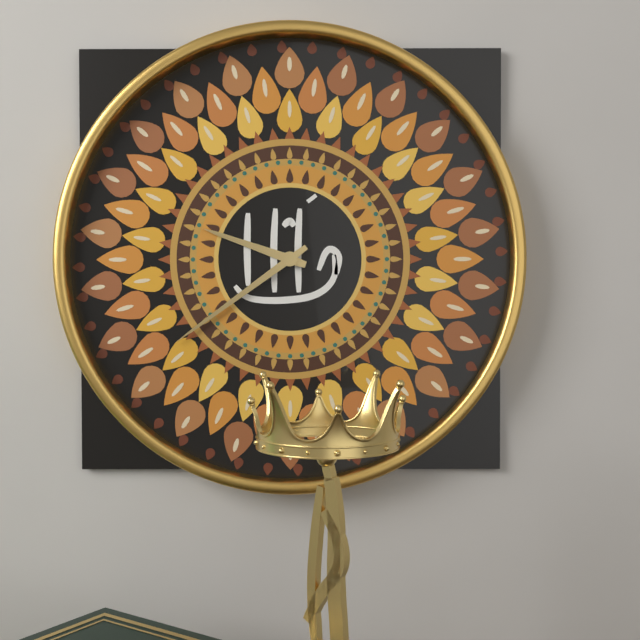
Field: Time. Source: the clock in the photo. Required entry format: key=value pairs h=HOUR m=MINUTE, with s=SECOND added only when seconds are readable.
h=9 m=39
